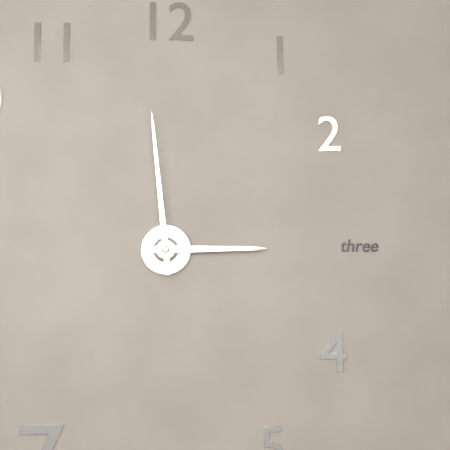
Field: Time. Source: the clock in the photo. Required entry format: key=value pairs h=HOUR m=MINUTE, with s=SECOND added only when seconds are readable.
h=2 m=59
